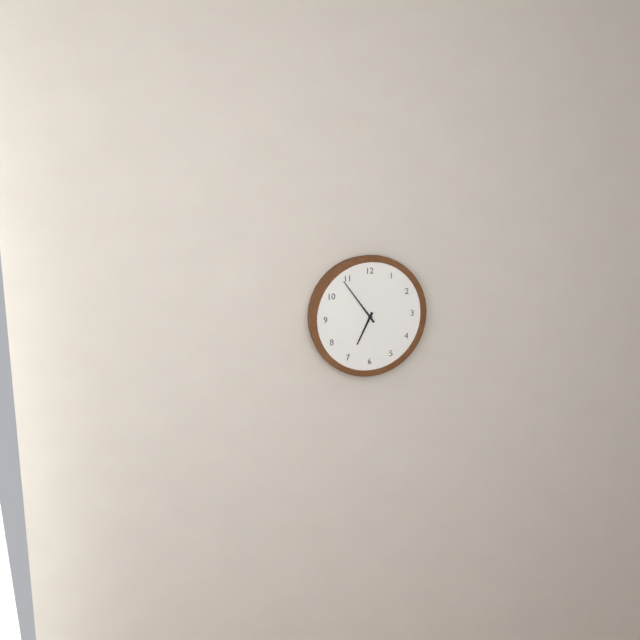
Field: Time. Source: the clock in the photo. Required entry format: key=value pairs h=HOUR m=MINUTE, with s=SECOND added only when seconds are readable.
h=6 m=54
